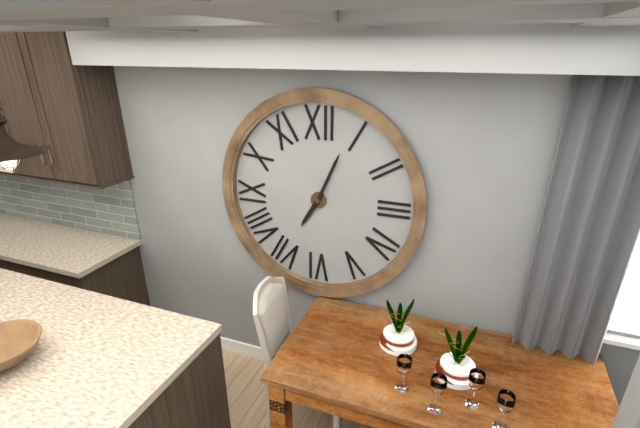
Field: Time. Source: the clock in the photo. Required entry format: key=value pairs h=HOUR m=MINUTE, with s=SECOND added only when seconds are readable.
h=7 m=4
